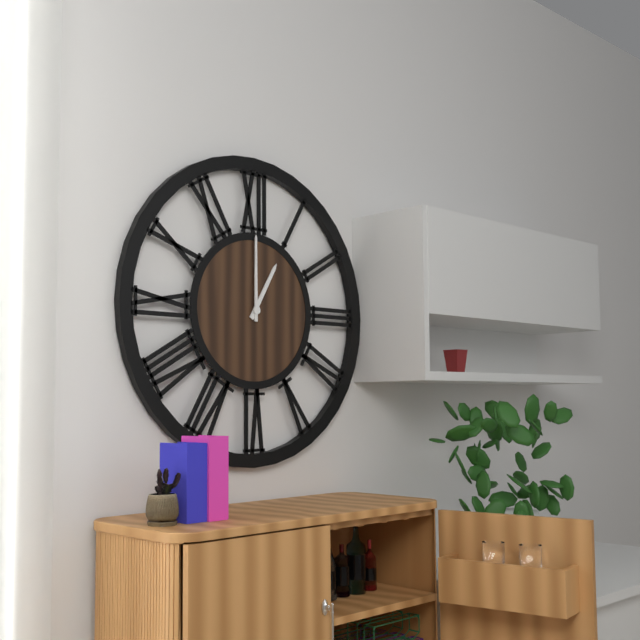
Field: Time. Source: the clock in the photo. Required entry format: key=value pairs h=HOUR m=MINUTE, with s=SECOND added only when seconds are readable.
h=1 m=0
